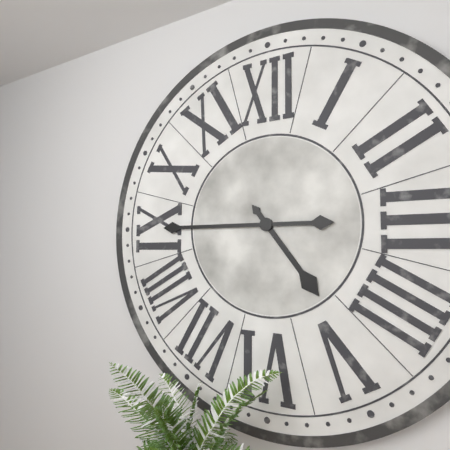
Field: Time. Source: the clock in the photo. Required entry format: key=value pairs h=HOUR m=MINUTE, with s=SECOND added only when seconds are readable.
h=4 m=45
